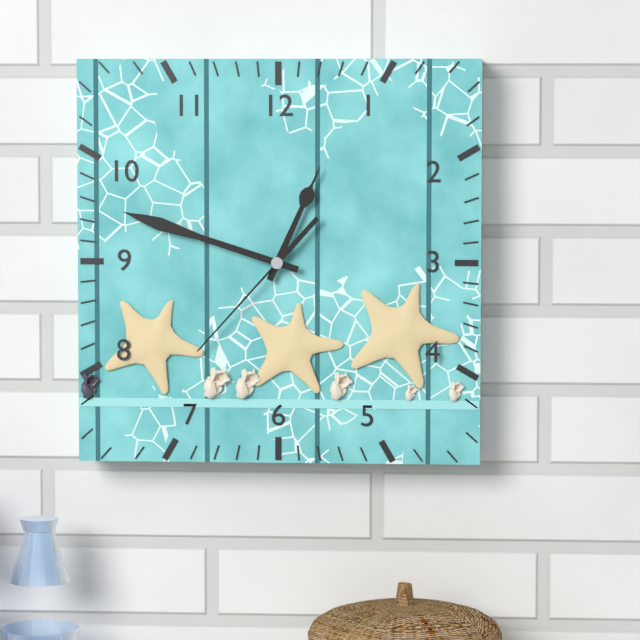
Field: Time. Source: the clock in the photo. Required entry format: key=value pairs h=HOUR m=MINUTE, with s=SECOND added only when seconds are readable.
h=12 m=48 s=37
